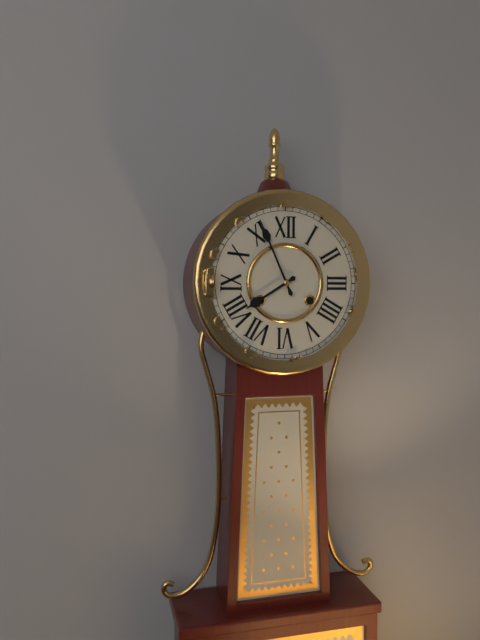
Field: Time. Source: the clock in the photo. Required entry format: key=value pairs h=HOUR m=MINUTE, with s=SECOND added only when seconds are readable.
h=7 m=56
